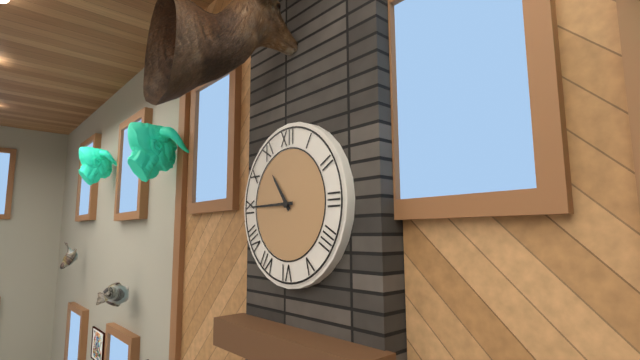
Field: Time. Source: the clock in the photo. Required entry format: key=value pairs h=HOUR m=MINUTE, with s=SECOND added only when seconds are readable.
h=10 m=45
